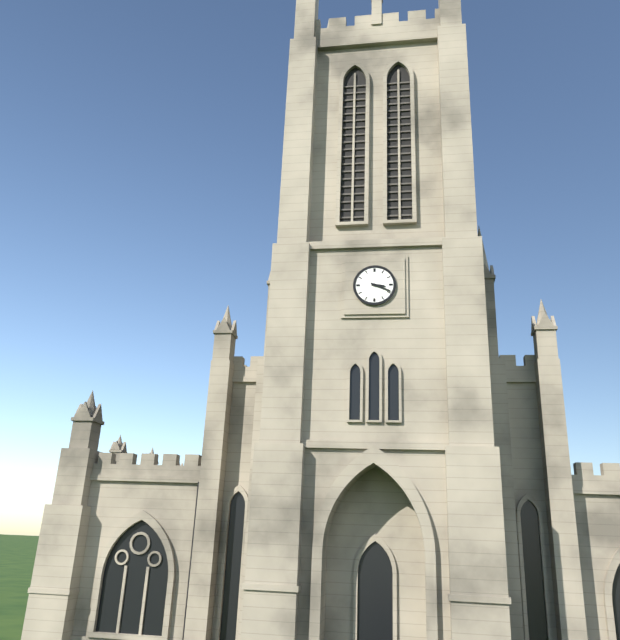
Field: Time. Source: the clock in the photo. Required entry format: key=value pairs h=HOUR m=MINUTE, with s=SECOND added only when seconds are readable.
h=3 m=19
